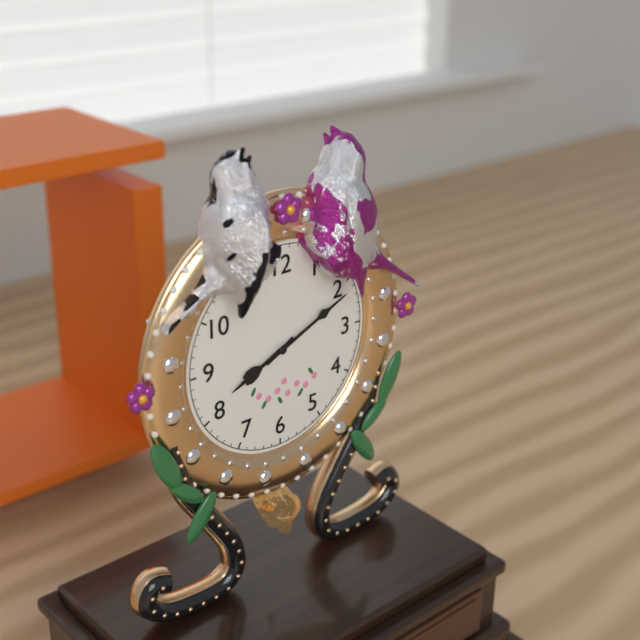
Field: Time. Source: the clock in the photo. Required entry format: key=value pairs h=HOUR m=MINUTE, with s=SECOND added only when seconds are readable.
h=8 m=11
